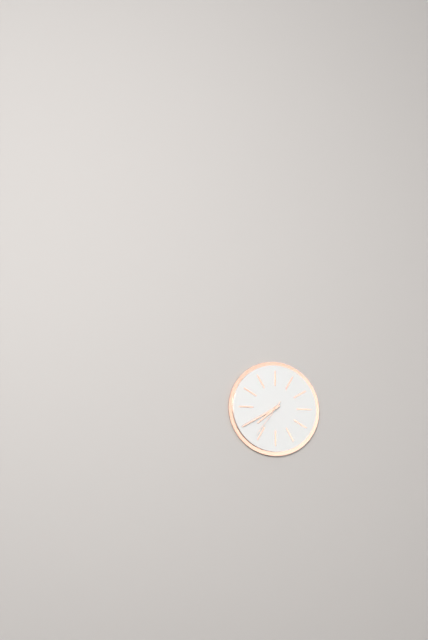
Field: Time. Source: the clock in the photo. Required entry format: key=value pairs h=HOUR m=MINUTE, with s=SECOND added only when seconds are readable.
h=7 m=40
